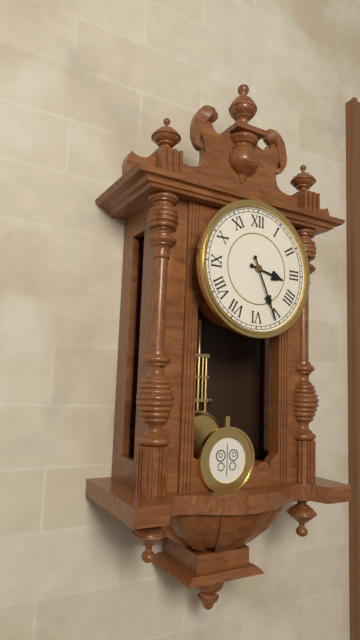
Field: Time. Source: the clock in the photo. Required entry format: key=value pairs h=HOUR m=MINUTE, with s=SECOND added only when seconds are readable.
h=3 m=26
